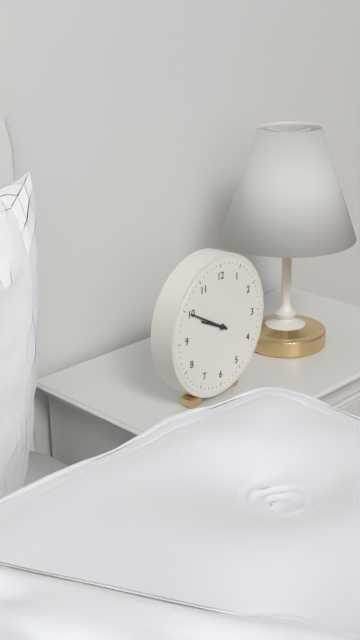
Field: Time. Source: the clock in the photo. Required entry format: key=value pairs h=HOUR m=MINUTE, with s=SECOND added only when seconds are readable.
h=9 m=50
